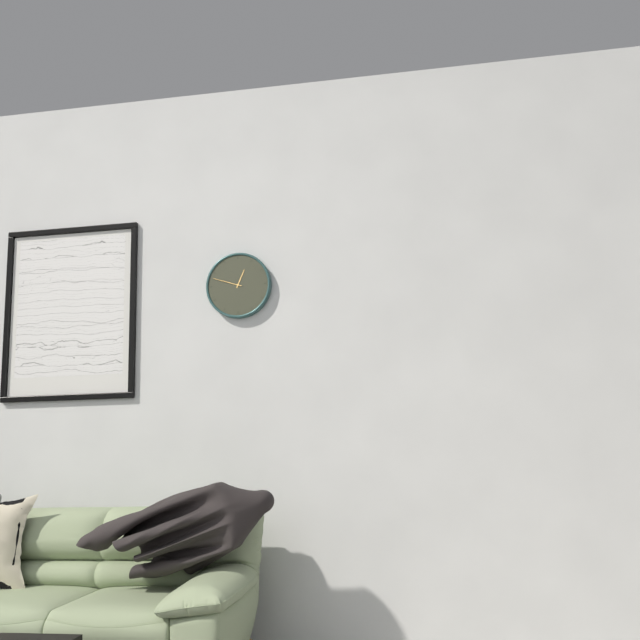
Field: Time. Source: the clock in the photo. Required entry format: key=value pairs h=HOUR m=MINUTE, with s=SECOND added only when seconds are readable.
h=12 m=48
